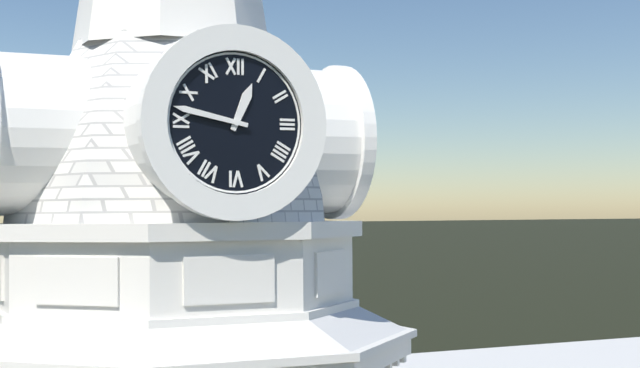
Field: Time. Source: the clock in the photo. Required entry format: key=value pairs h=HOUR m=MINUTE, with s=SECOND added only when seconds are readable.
h=12 m=47
